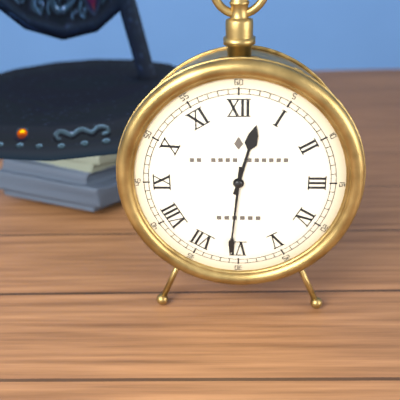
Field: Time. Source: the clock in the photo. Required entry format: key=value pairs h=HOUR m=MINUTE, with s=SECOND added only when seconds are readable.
h=12 m=31
